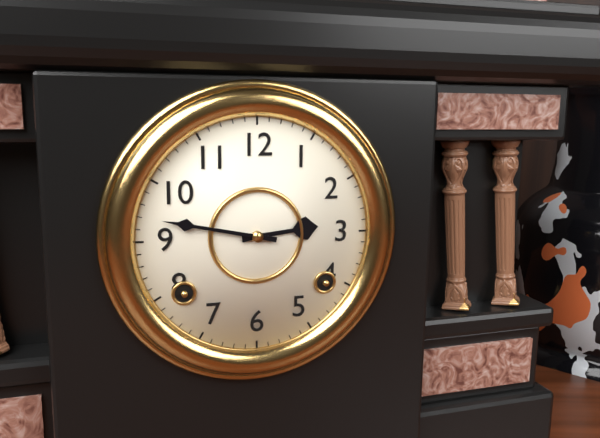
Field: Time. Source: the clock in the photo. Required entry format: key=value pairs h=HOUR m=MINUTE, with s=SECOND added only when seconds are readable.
h=2 m=47
